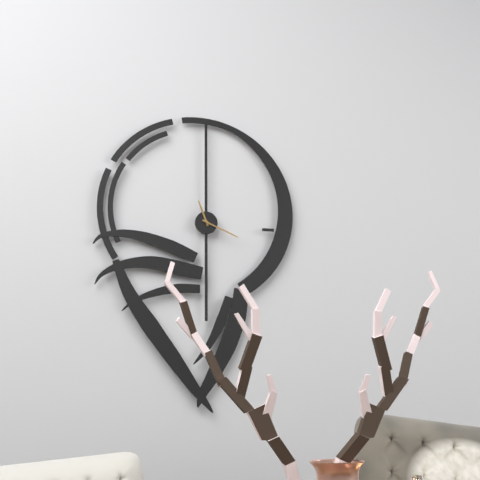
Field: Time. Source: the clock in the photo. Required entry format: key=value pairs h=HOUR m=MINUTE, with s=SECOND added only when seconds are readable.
h=11 m=19
